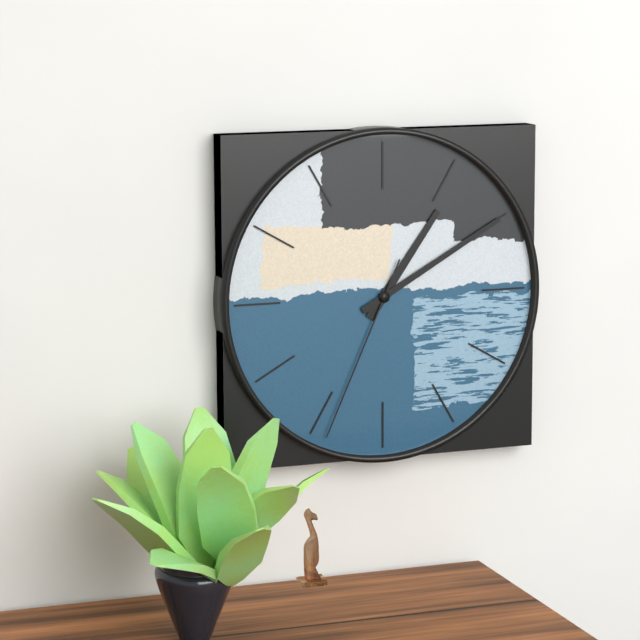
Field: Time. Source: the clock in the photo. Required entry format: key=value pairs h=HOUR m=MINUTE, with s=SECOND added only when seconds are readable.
h=1 m=10 s=34
